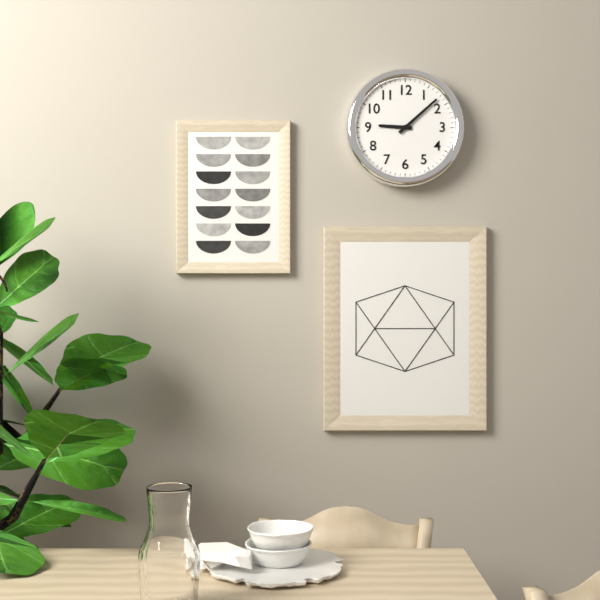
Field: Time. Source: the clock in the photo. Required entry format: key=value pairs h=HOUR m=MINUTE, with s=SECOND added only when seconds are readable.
h=9 m=8
